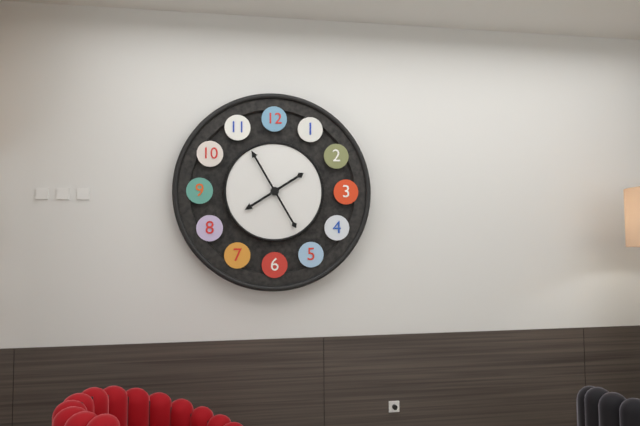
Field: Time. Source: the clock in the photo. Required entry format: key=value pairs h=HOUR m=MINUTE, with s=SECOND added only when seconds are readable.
h=7 m=55
